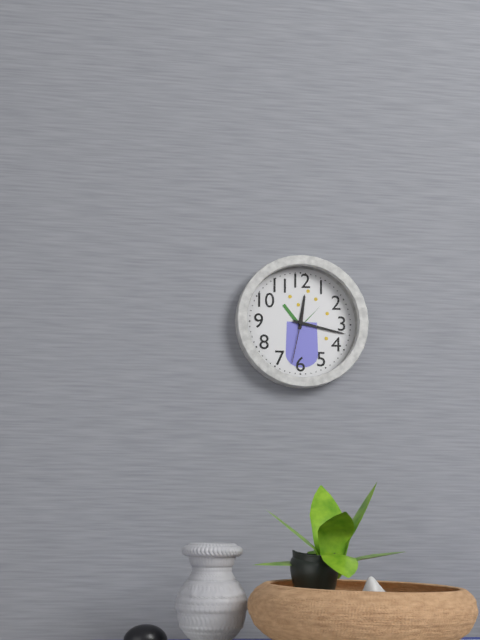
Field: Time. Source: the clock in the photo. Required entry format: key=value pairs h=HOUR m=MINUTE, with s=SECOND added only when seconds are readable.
h=12 m=17 s=32
